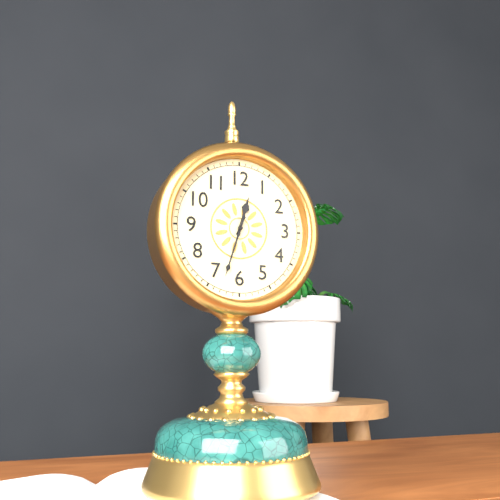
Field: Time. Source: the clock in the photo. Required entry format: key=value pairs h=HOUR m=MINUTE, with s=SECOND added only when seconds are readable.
h=12 m=33
